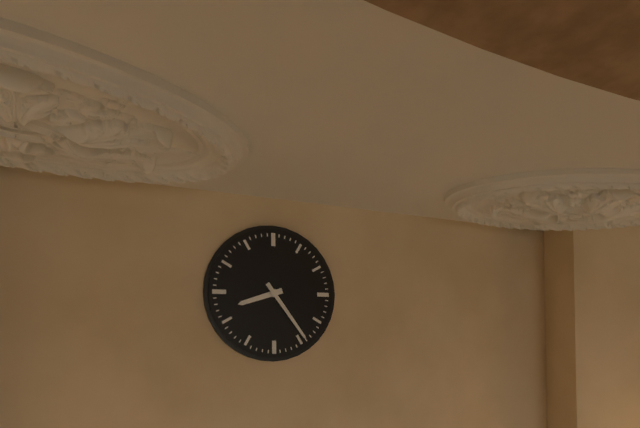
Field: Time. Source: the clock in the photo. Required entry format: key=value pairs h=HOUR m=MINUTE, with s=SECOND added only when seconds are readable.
h=8 m=24
